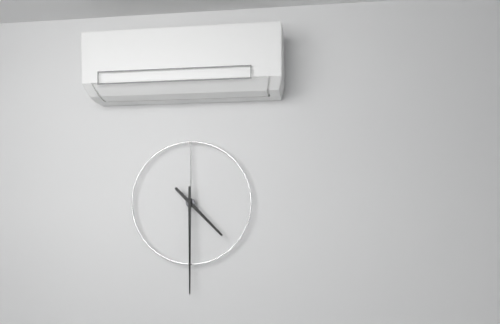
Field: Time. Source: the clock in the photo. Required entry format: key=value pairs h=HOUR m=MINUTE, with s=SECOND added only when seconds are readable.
h=4 m=30
